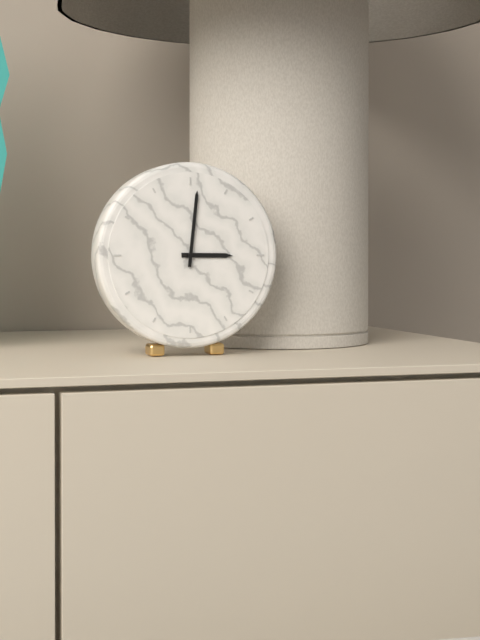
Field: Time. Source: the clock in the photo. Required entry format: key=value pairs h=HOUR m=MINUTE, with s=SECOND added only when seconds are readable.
h=3 m=1
